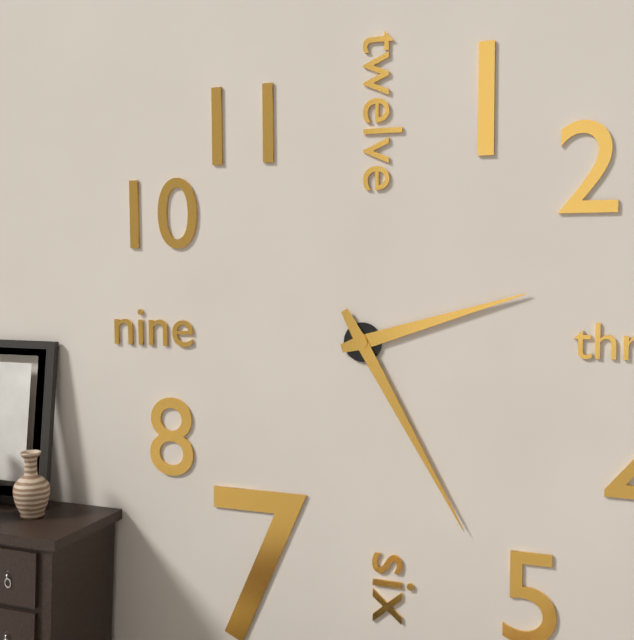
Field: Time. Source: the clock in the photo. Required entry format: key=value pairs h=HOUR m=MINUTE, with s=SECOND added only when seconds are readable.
h=2 m=25
